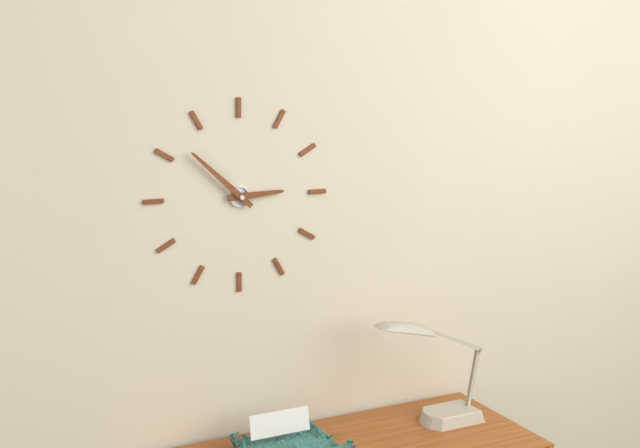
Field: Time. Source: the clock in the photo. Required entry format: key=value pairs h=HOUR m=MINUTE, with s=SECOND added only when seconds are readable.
h=2 m=52
